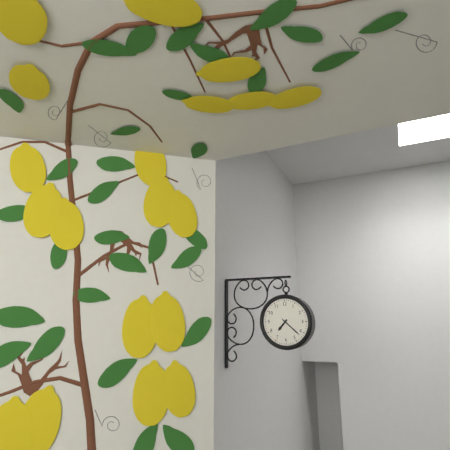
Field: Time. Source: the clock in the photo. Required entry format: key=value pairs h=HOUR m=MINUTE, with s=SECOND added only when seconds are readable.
h=7 m=22
